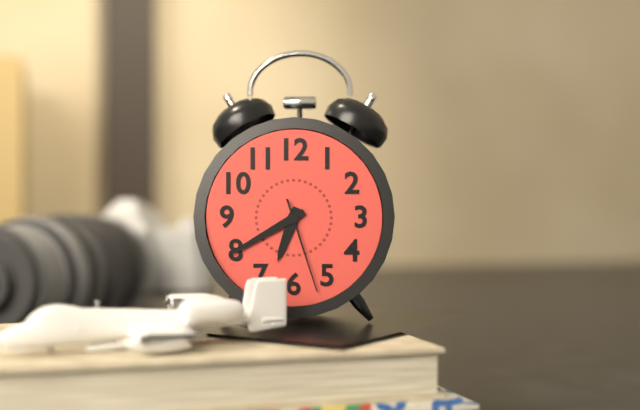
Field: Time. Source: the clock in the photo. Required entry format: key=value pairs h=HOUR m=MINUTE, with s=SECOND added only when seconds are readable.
h=6 m=40 s=27
